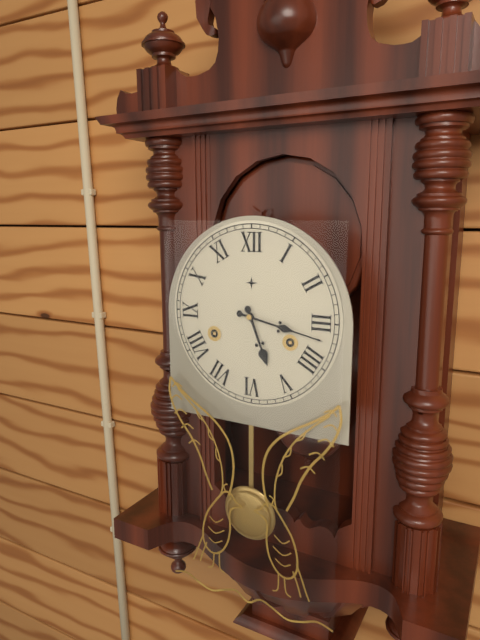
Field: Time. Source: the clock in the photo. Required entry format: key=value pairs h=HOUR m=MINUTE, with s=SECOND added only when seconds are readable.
h=5 m=17
